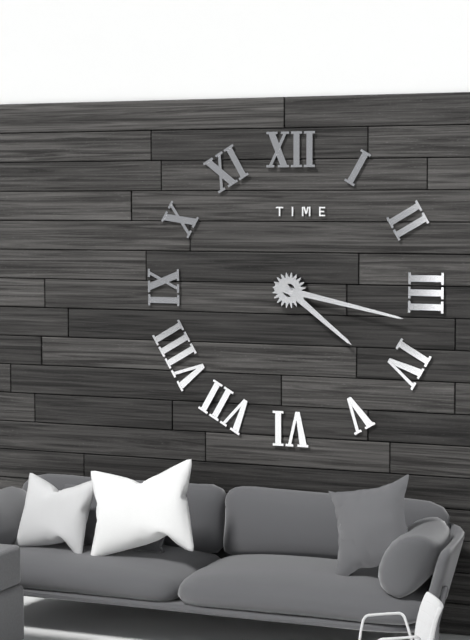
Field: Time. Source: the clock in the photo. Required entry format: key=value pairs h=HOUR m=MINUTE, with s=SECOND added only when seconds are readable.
h=4 m=17
